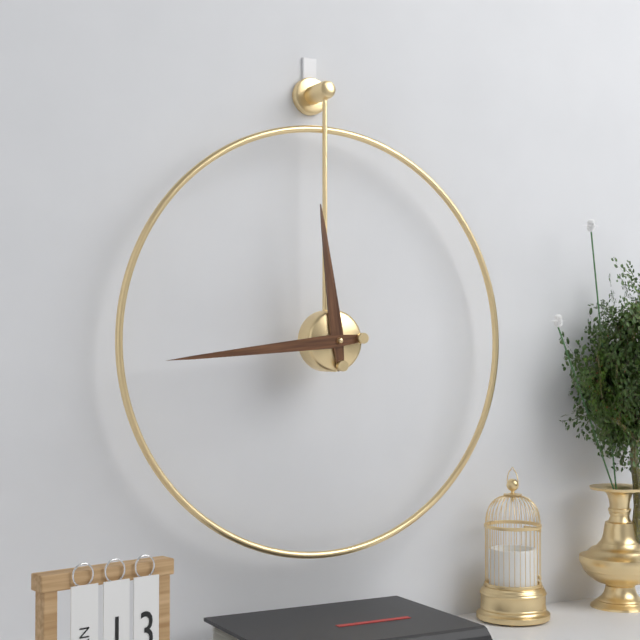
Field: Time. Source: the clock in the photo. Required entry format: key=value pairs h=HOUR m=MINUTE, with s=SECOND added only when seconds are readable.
h=11 m=44
